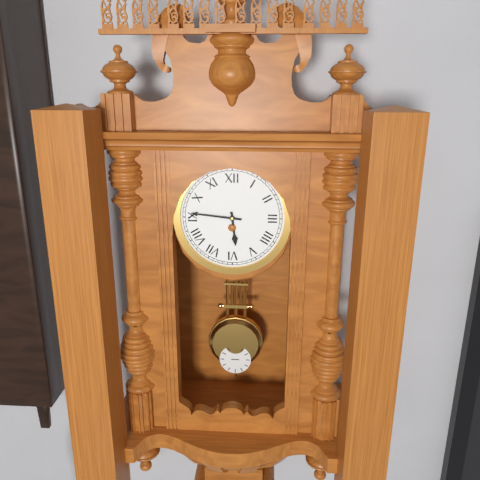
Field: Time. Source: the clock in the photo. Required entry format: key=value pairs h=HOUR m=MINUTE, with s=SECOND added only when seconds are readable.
h=5 m=46
